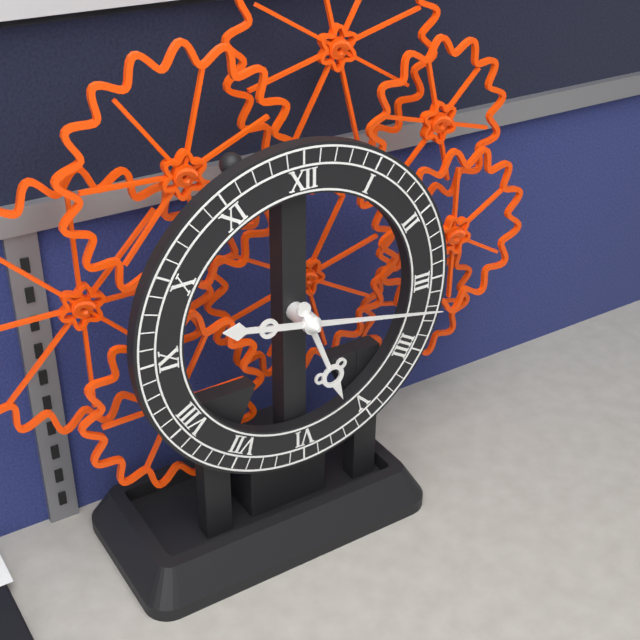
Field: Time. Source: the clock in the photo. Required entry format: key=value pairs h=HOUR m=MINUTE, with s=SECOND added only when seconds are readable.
h=5 m=17
